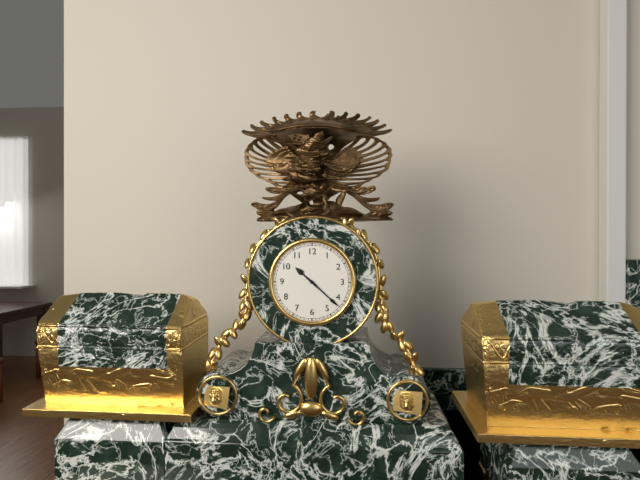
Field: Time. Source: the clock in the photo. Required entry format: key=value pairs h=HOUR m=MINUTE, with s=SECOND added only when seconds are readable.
h=10 m=22
